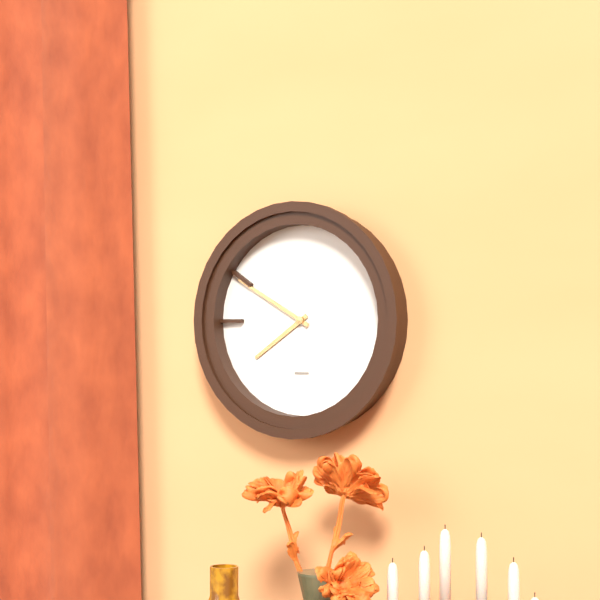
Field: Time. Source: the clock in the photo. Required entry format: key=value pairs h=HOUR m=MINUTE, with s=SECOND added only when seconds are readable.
h=7 m=50
